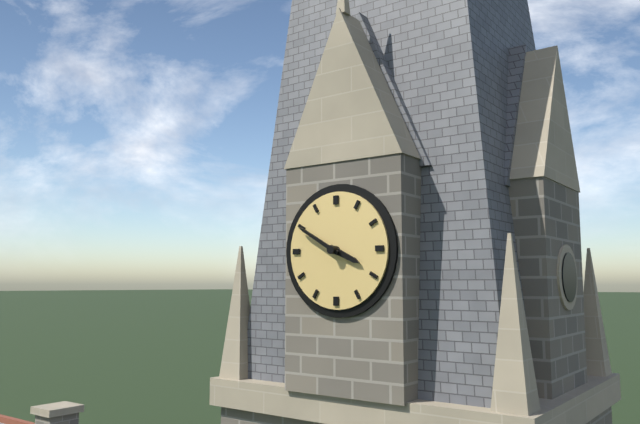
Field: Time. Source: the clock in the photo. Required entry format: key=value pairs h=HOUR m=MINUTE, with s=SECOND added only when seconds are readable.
h=3 m=50
